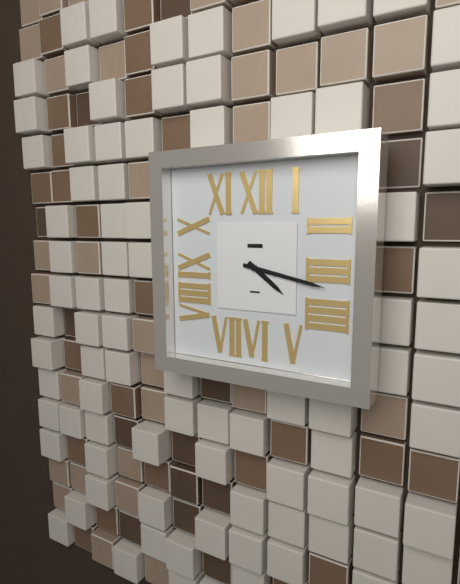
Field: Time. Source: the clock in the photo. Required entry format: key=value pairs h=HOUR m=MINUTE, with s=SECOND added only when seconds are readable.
h=4 m=17
